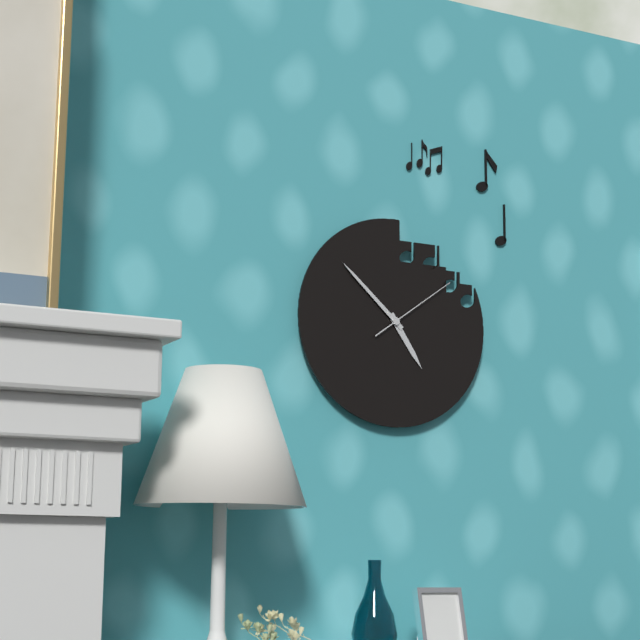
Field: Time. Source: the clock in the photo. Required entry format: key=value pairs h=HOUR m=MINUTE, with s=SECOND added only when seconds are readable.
h=4 m=52 s=9
